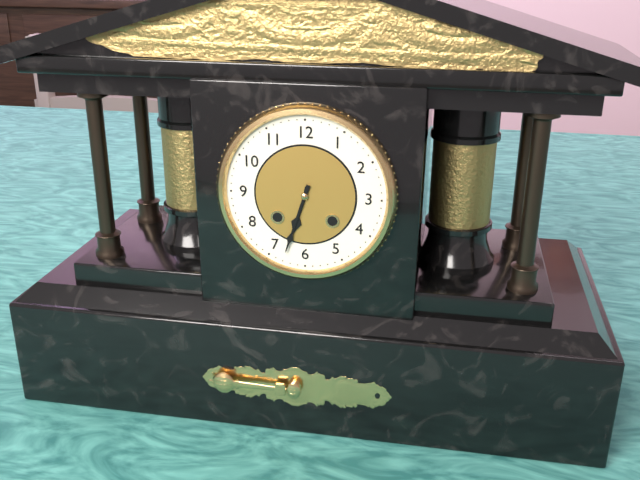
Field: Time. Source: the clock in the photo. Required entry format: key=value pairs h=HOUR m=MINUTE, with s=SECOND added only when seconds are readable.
h=6 m=33
